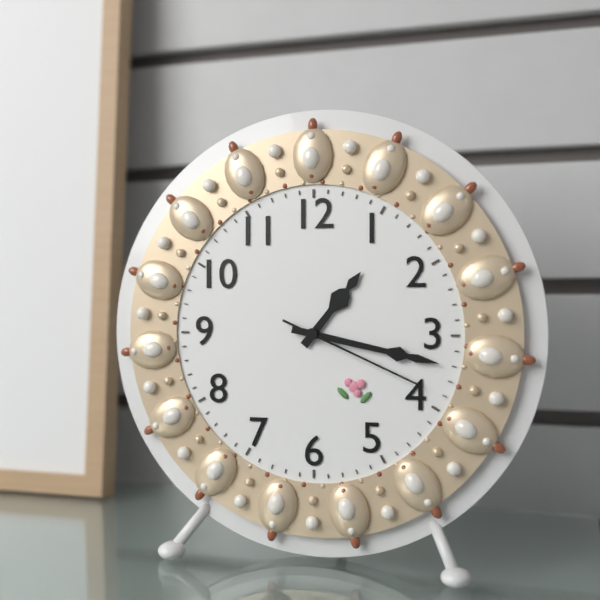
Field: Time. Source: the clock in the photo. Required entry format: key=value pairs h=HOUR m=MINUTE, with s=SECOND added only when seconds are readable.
h=1 m=17 s=19
